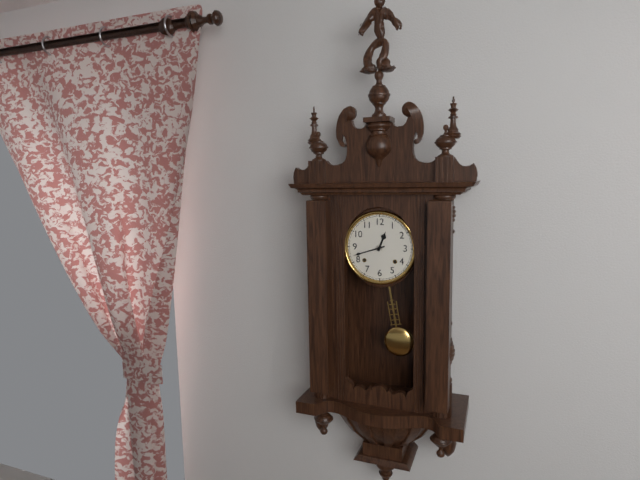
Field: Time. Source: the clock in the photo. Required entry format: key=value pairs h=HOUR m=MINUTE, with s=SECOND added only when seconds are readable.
h=12 m=42
